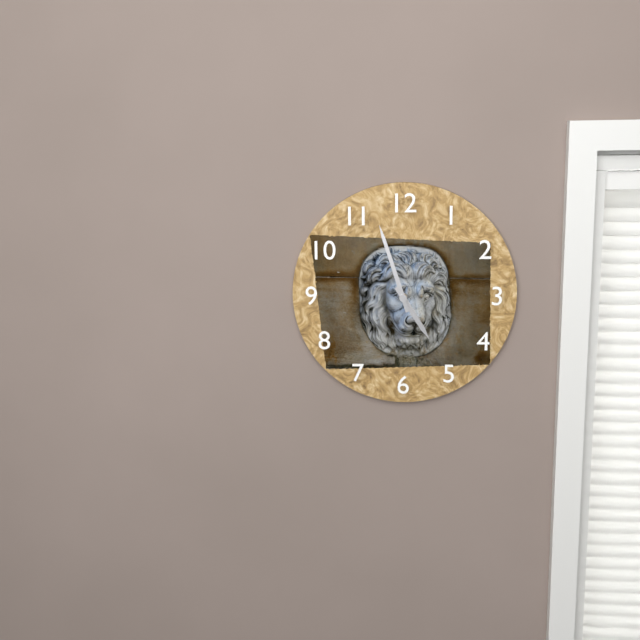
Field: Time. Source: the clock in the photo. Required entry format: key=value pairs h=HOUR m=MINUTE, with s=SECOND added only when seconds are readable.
h=4 m=57
